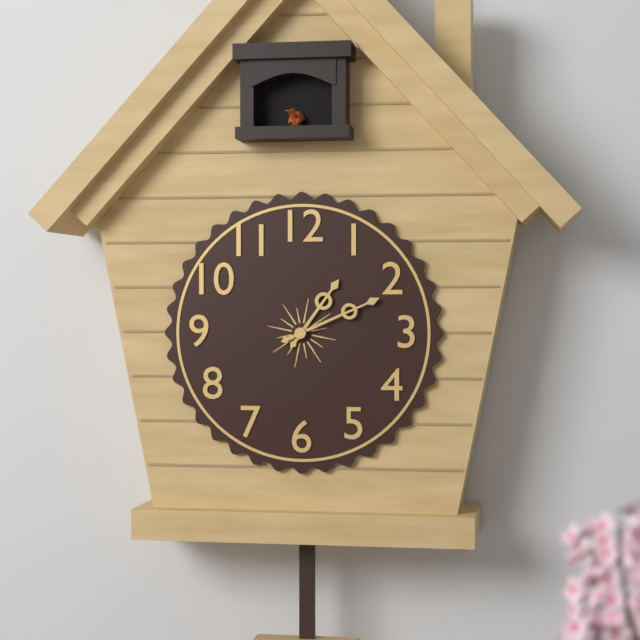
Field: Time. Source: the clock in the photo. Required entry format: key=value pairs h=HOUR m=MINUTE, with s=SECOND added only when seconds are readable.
h=1 m=11
